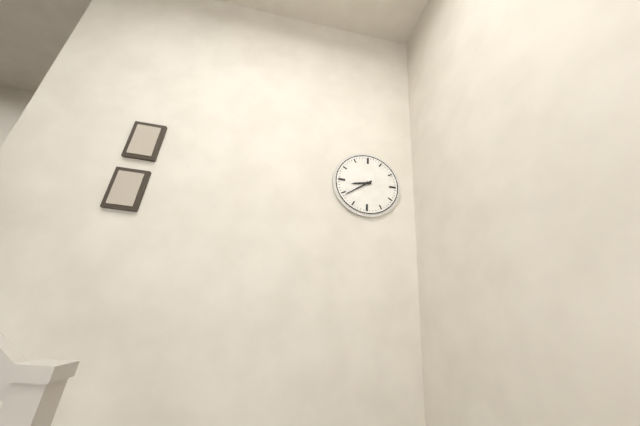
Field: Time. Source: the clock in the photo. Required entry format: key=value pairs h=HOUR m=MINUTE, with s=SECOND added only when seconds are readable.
h=8 m=39
